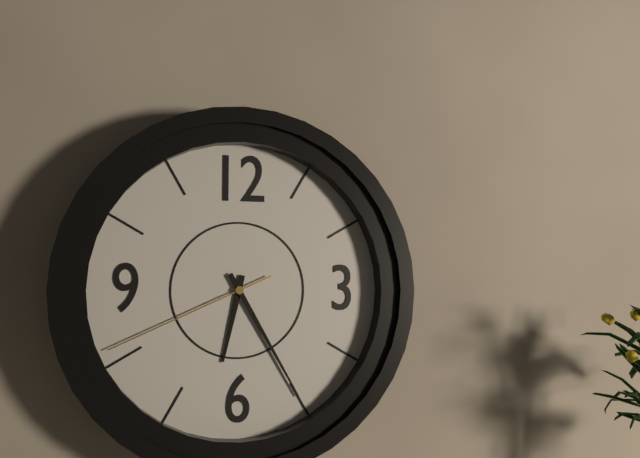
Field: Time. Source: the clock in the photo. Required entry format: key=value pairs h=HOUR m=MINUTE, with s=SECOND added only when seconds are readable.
h=6 m=25 s=41
